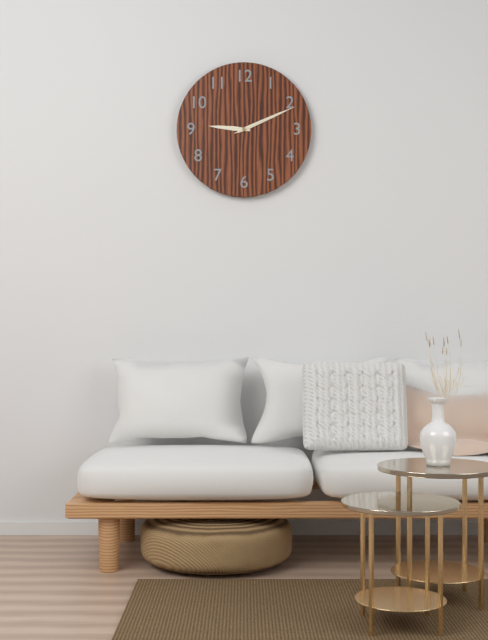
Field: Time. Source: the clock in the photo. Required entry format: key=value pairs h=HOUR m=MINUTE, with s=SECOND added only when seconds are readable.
h=9 m=11
